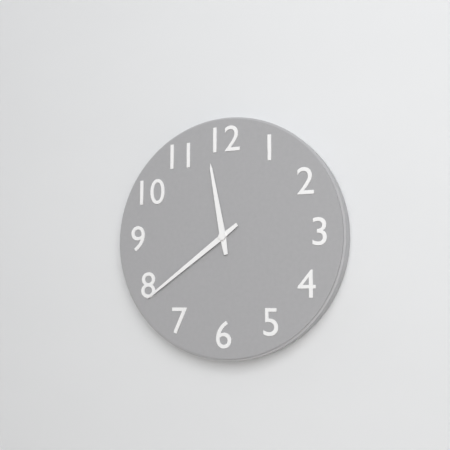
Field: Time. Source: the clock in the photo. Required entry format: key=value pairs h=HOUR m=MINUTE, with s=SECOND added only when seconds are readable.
h=11 m=39
